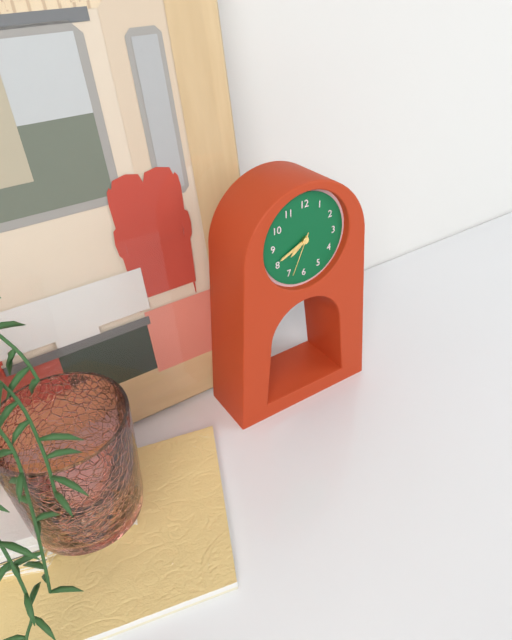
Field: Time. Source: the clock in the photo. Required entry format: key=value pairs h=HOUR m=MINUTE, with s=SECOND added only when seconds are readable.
h=7 m=41
